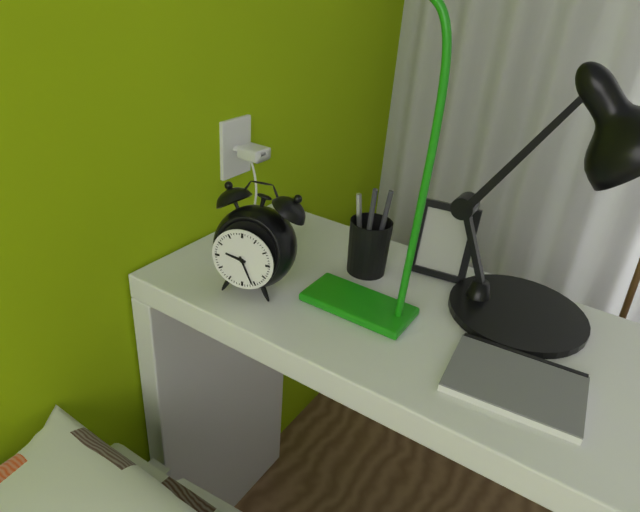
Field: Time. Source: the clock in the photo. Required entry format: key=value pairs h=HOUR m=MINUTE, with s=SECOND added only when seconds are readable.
h=9 m=26
